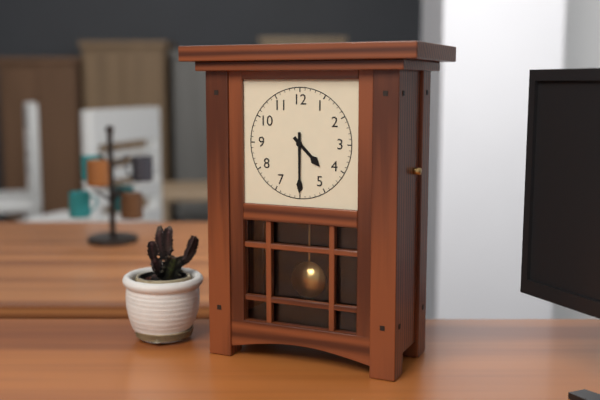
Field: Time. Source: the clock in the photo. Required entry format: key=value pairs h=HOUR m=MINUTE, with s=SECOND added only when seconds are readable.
h=4 m=30
